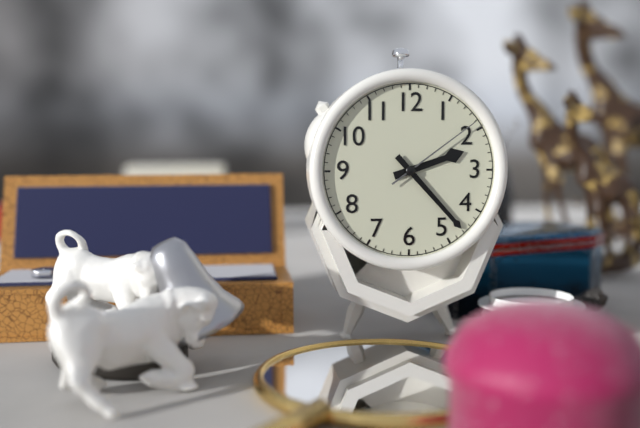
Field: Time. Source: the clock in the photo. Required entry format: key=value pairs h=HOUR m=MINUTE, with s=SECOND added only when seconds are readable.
h=2 m=23 s=9
